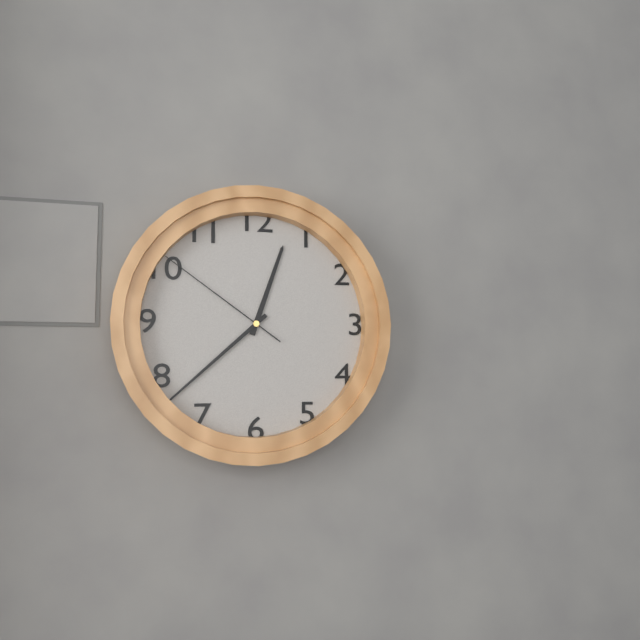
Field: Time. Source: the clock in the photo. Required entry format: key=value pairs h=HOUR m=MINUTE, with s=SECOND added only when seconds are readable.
h=12 m=38 s=51
